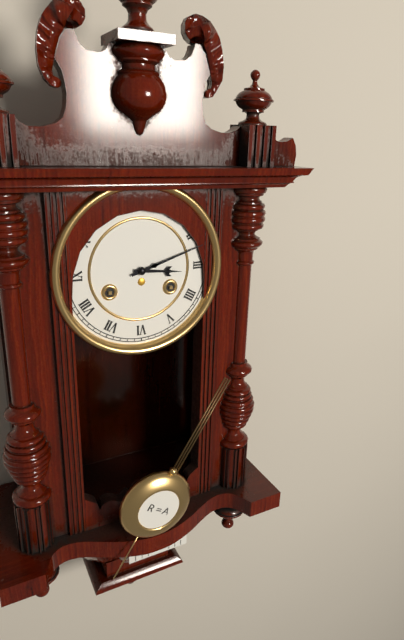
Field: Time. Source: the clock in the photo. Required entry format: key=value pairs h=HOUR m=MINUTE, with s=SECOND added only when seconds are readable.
h=3 m=12
